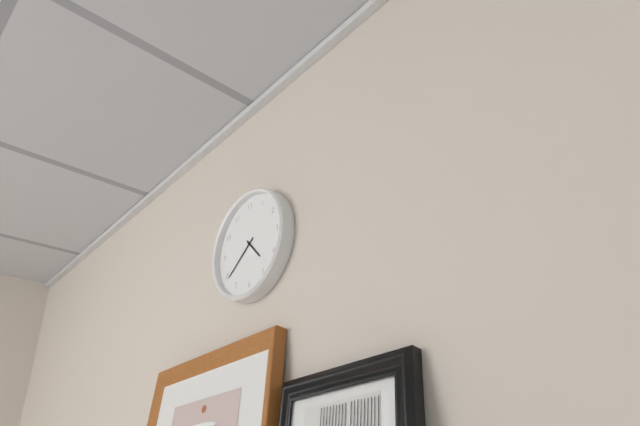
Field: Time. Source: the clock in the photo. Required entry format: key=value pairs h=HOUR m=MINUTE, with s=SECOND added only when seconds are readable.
h=4 m=39
